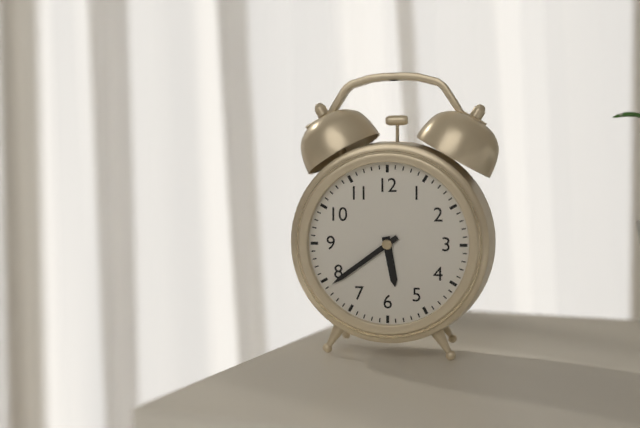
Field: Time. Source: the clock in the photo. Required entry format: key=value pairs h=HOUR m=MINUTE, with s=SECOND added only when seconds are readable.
h=5 m=39
